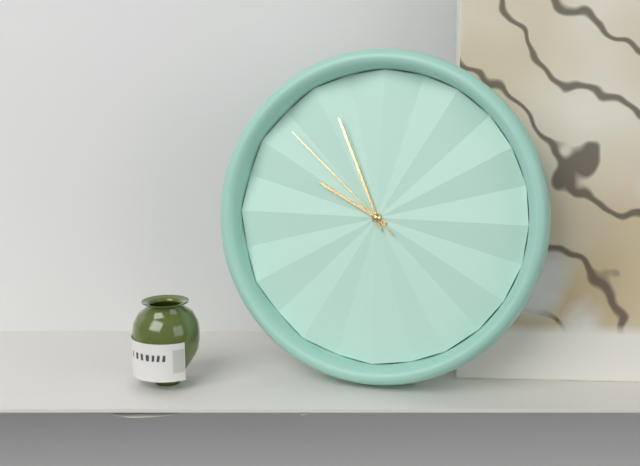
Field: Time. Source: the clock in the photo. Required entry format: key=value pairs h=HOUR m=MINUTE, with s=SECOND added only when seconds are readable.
h=9 m=56 s=52
